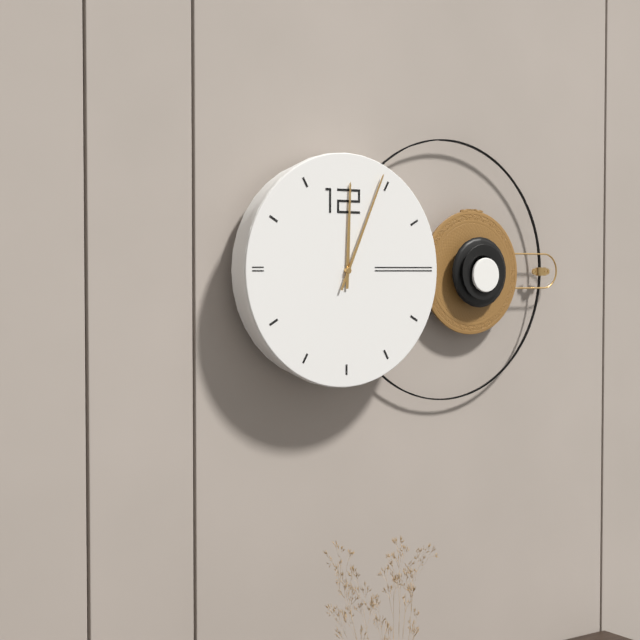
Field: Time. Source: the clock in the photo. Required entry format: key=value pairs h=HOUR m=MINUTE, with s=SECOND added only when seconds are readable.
h=12 m=4
